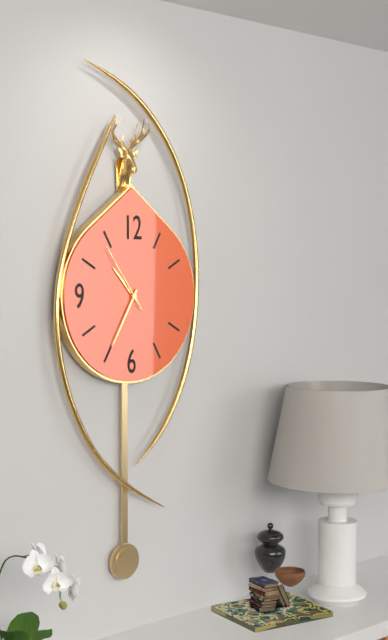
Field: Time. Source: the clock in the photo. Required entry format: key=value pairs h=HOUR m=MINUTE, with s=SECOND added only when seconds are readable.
h=10 m=35 s=54
